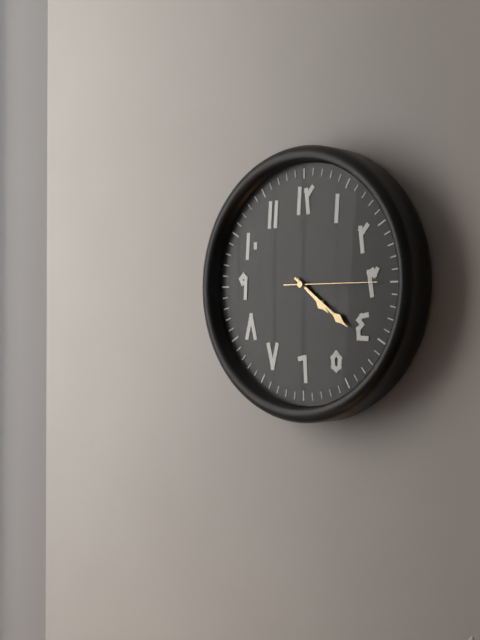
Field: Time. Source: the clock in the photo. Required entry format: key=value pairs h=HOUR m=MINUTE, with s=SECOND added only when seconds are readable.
h=4 m=21 s=15
